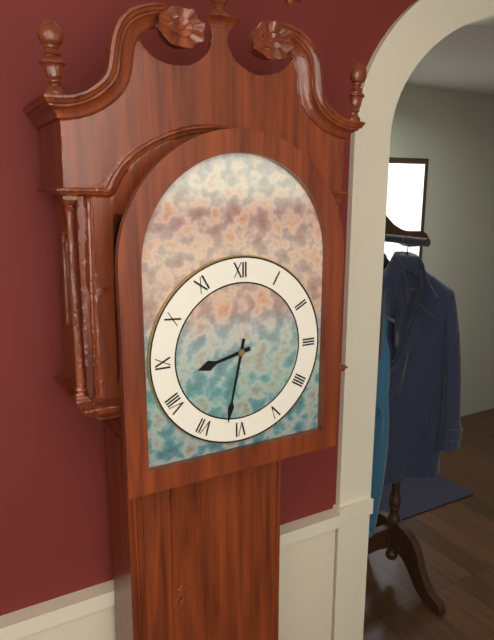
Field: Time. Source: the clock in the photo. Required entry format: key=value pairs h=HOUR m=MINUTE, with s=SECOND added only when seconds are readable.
h=8 m=32
